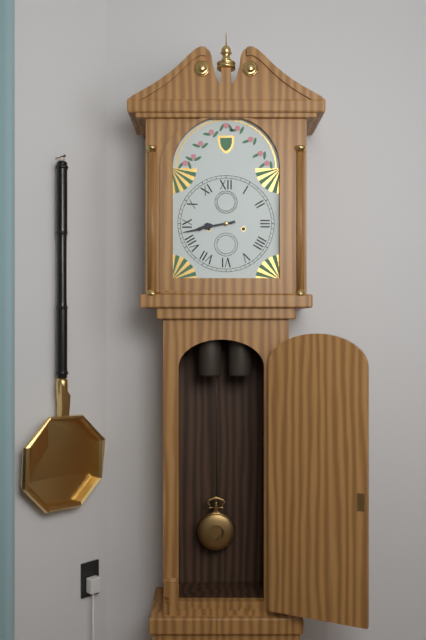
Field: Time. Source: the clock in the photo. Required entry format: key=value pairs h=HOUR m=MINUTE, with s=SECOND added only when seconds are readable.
h=8 m=43
